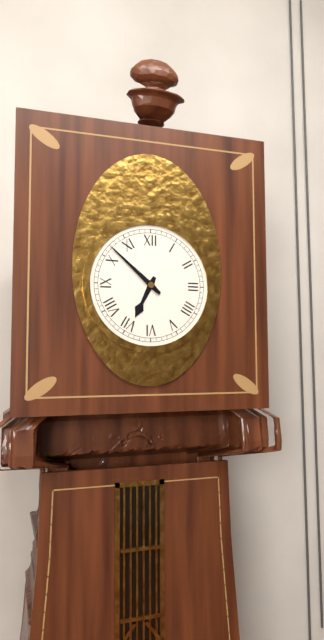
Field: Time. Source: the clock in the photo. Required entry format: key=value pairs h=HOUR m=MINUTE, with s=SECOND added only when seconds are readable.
h=6 m=52
